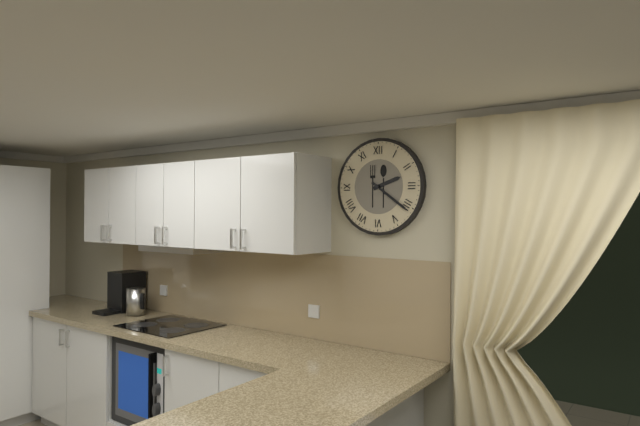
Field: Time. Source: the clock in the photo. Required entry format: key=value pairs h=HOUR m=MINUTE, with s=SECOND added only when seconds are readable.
h=2 m=21
